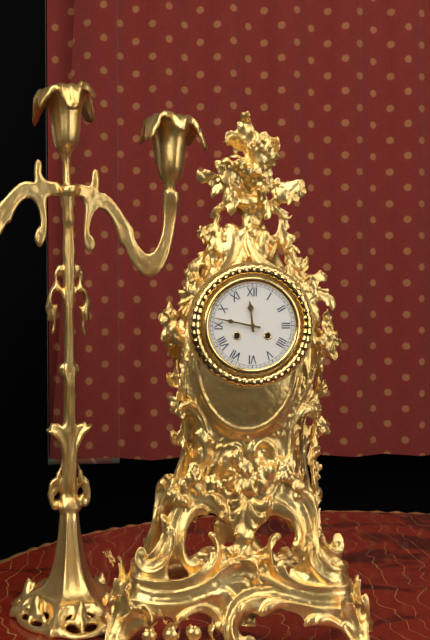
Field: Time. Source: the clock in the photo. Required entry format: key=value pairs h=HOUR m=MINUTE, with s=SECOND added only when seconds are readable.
h=11 m=47
